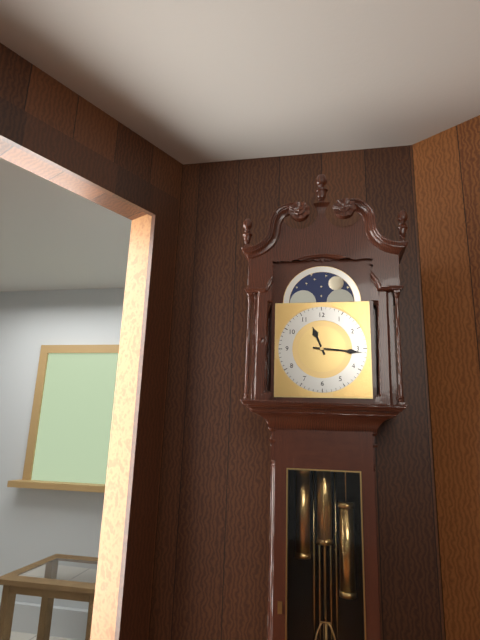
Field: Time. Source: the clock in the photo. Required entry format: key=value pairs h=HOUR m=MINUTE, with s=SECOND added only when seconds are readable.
h=11 m=16
